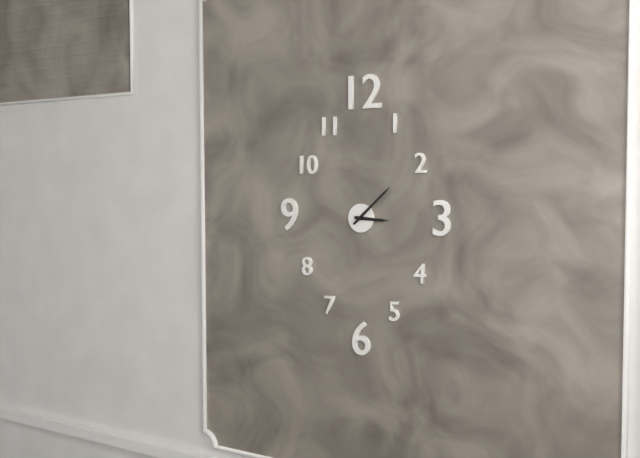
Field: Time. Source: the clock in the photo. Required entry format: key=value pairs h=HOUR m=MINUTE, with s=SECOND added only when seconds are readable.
h=3 m=8
